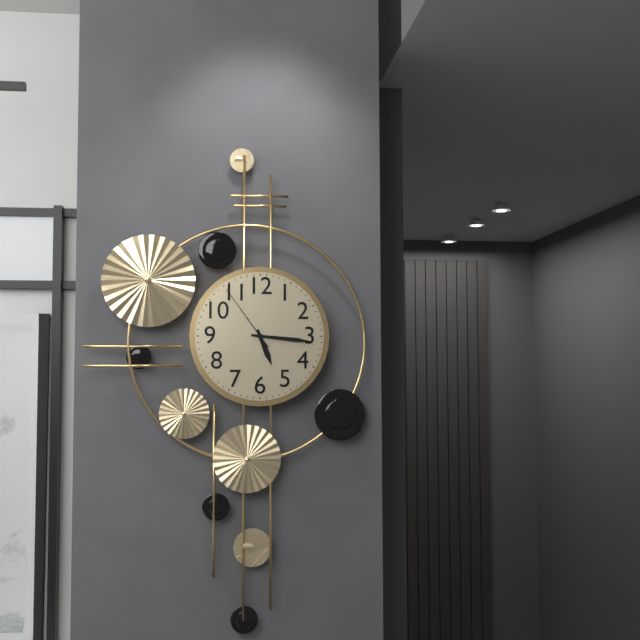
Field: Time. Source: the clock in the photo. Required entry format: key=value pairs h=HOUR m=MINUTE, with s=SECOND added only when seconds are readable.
h=5 m=16 s=54
